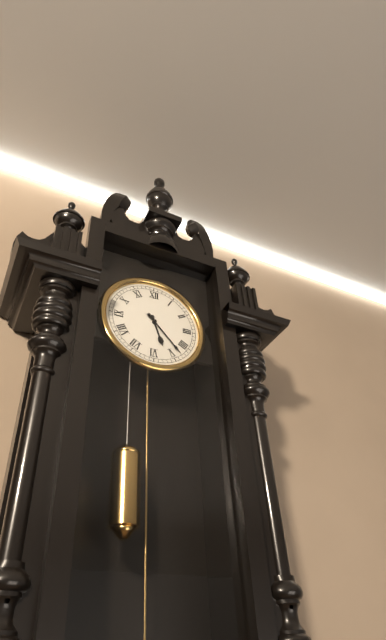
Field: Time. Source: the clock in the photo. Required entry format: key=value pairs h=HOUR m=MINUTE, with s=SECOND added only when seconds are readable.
h=5 m=23
